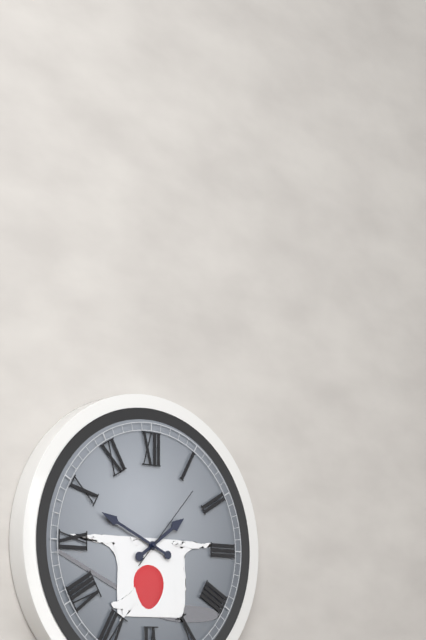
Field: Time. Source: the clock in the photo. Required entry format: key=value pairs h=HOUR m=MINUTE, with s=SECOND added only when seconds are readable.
h=1 m=49 s=7
